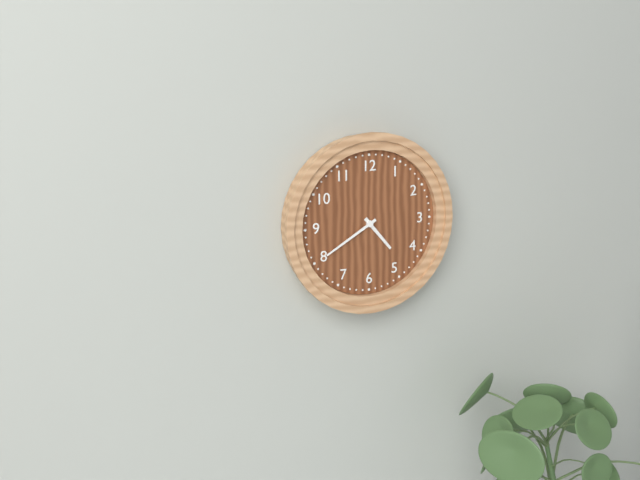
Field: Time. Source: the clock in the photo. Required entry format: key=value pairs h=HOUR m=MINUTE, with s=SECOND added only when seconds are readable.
h=4 m=40
